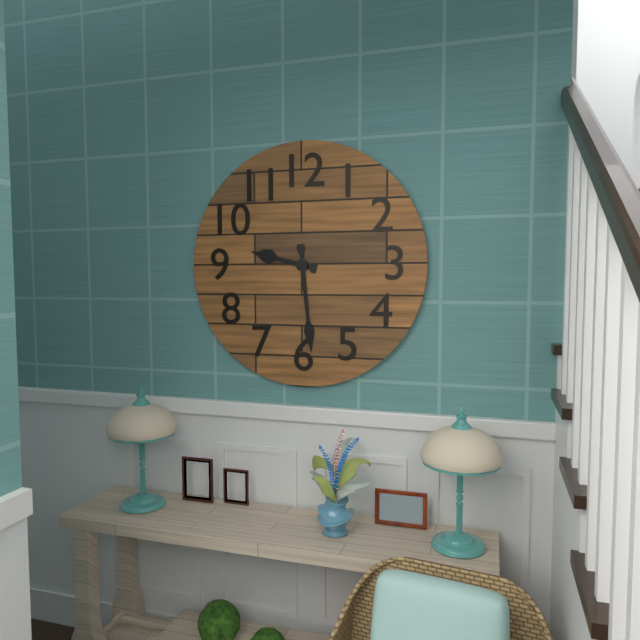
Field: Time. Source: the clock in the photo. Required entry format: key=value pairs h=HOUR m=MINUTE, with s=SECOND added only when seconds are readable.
h=9 m=29
